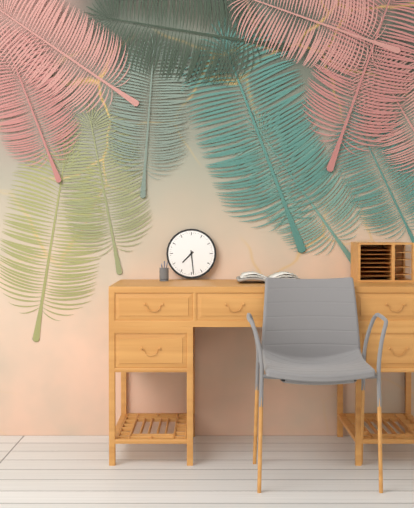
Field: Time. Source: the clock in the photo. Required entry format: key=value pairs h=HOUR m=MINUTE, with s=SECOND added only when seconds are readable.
h=7 m=29
